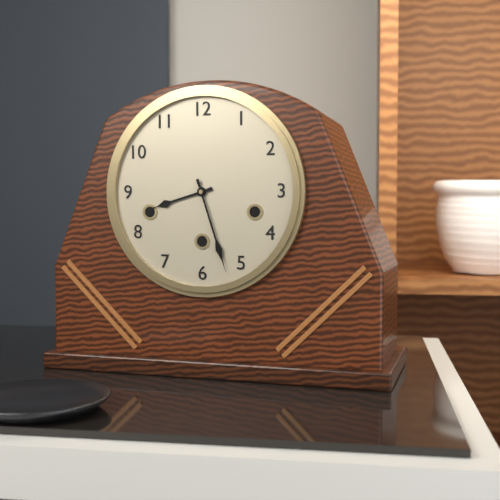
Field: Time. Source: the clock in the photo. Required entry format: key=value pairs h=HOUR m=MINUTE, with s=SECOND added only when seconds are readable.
h=8 m=27
